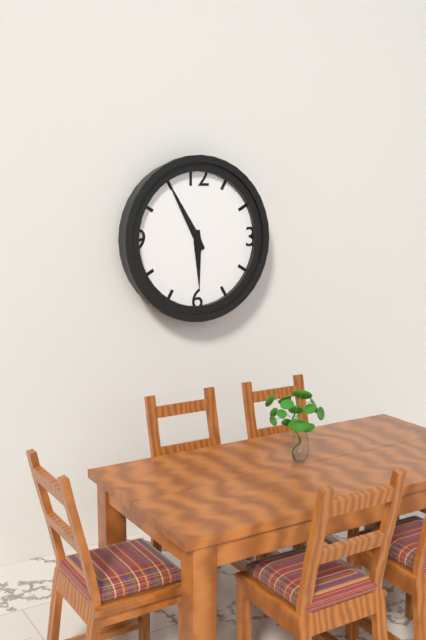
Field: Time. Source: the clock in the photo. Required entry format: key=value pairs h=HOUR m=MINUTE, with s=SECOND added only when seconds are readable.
h=5 m=55
